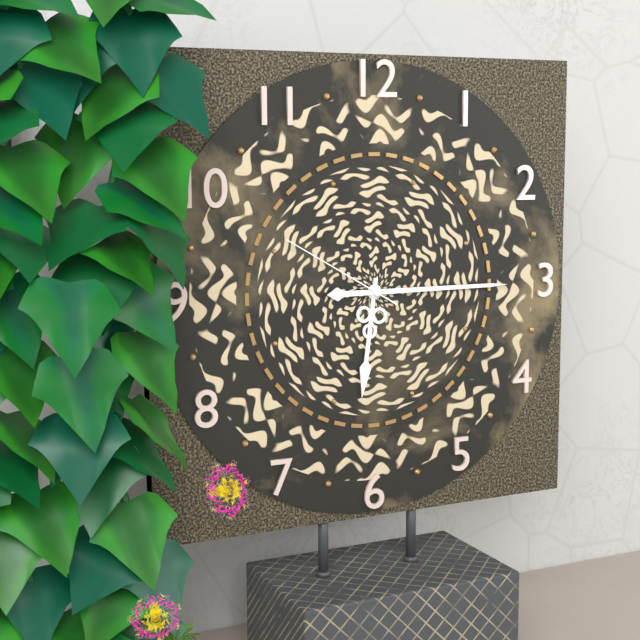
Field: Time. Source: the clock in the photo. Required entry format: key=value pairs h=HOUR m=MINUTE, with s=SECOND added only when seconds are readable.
h=6 m=15 s=50
